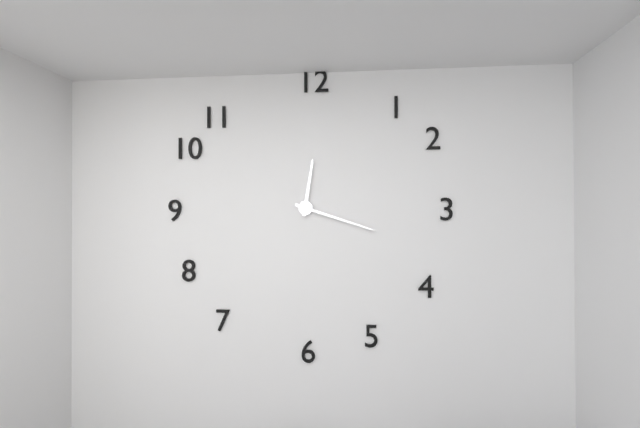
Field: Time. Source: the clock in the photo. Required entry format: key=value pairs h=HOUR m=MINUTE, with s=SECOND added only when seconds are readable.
h=12 m=18
